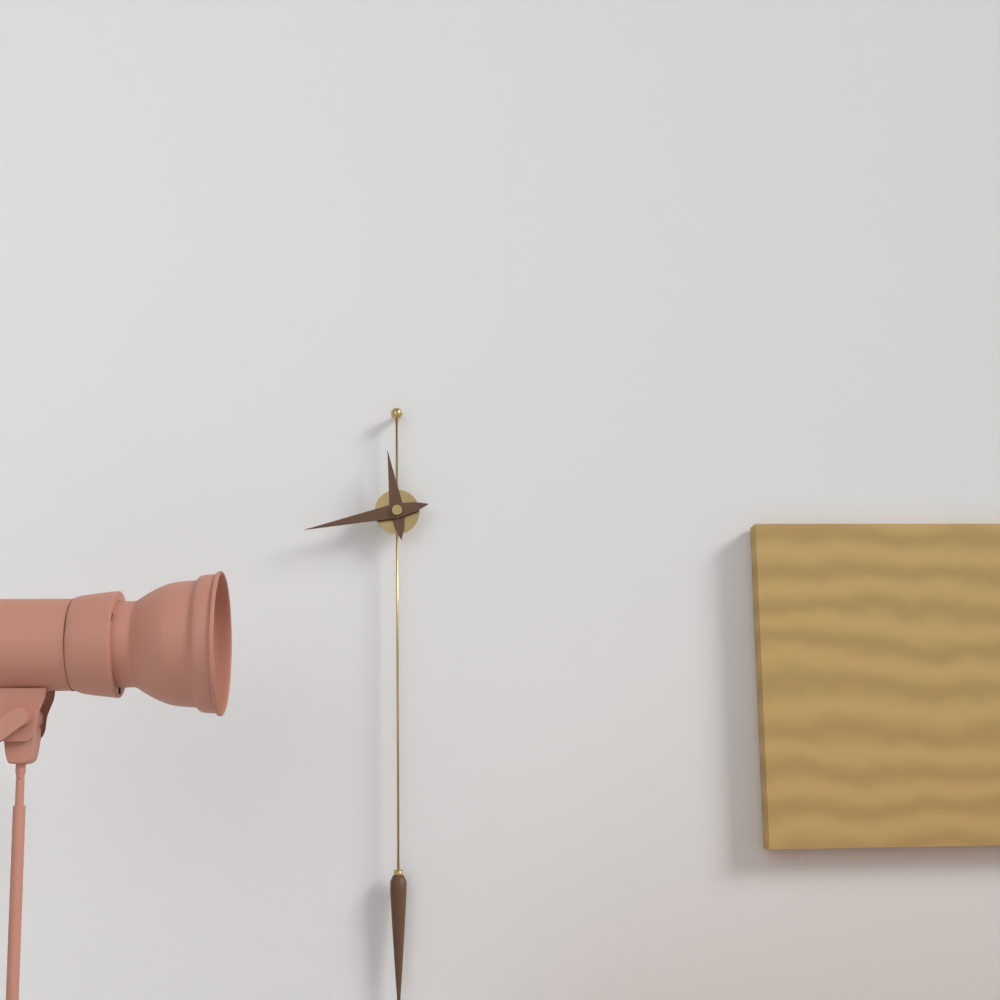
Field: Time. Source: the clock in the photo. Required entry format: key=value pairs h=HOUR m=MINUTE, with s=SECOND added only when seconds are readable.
h=11 m=43
